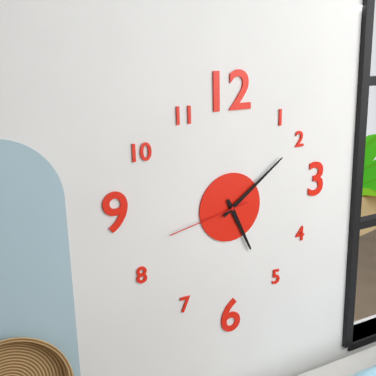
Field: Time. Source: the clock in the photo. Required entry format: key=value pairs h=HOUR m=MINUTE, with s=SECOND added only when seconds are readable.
h=5 m=9 s=43
